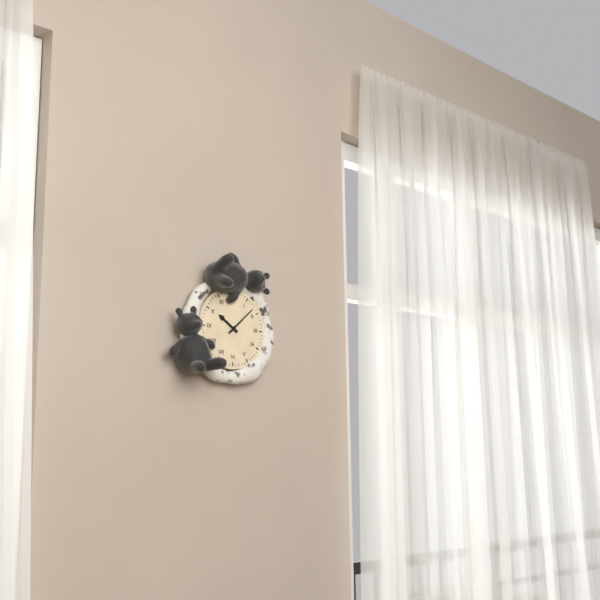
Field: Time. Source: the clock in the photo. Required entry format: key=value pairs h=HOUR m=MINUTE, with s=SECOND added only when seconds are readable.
h=10 m=8
